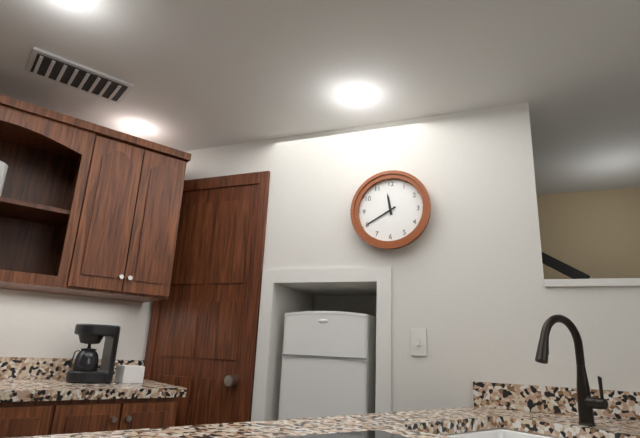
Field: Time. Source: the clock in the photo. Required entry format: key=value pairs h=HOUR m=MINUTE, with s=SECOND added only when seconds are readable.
h=11 m=40
